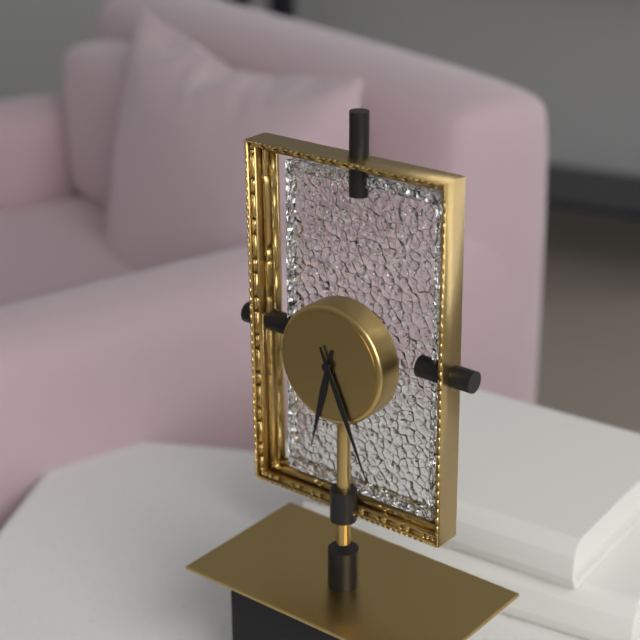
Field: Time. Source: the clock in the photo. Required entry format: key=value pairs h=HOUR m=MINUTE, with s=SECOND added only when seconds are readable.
h=6 m=26
